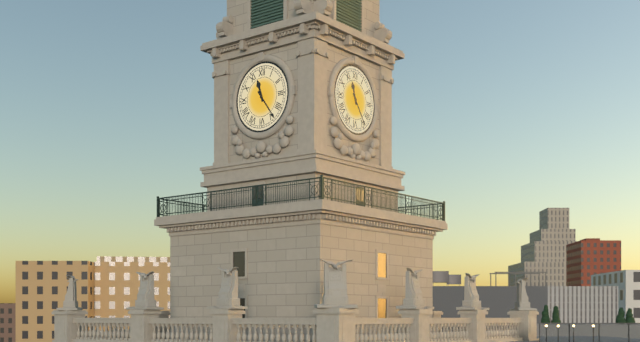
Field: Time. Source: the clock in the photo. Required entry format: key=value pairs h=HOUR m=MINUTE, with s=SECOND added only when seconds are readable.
h=11 m=24
